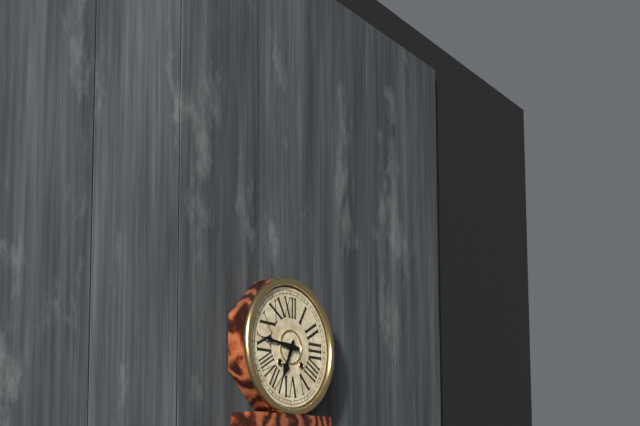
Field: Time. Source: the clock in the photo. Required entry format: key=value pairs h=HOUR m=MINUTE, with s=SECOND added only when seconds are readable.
h=6 m=46
